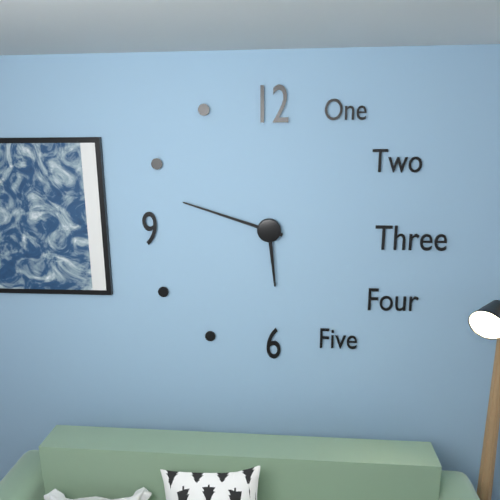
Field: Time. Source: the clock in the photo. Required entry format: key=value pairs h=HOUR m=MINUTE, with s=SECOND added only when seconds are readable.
h=5 m=48
